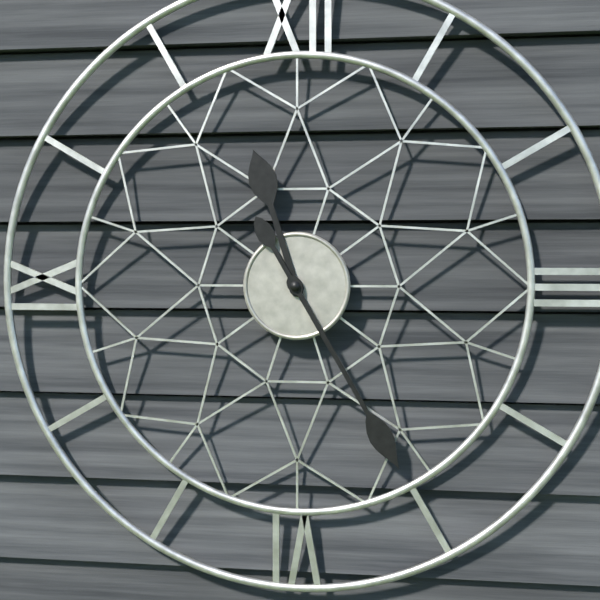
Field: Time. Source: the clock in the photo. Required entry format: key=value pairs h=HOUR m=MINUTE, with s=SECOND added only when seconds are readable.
h=11 m=25
